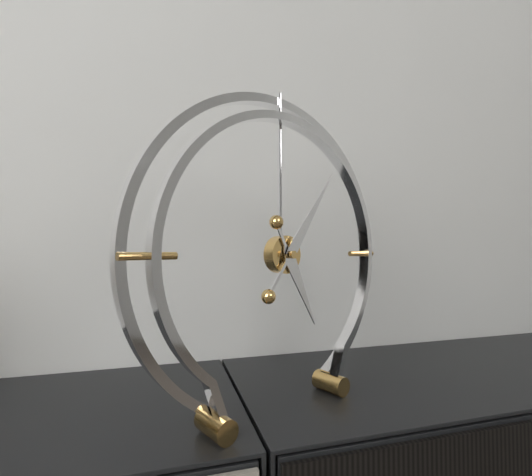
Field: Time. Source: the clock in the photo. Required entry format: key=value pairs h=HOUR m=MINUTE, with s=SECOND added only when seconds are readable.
h=5 m=6
